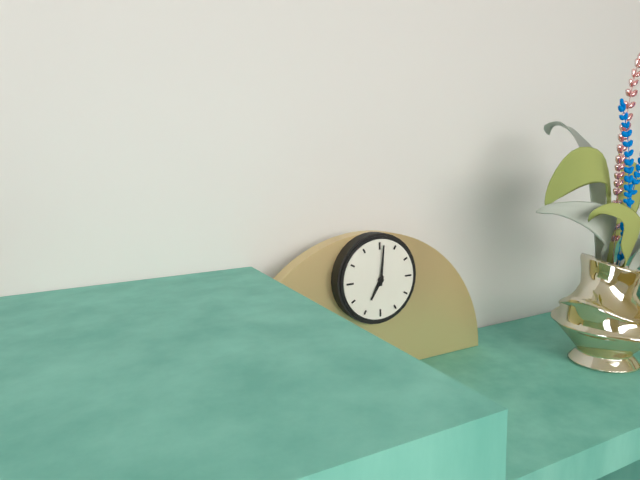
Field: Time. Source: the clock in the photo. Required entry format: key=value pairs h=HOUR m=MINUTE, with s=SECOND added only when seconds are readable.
h=7 m=1
